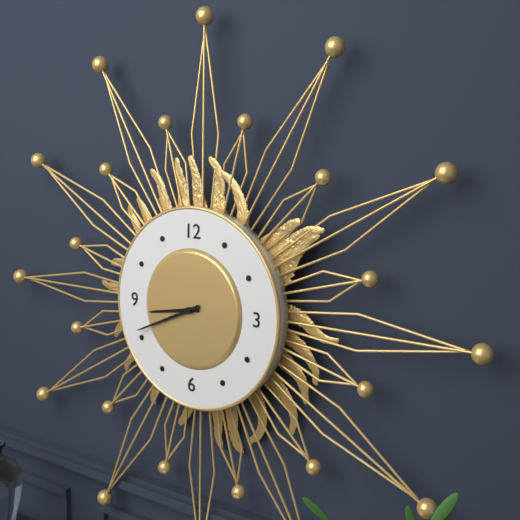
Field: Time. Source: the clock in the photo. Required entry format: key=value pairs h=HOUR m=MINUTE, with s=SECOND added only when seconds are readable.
h=8 m=41
